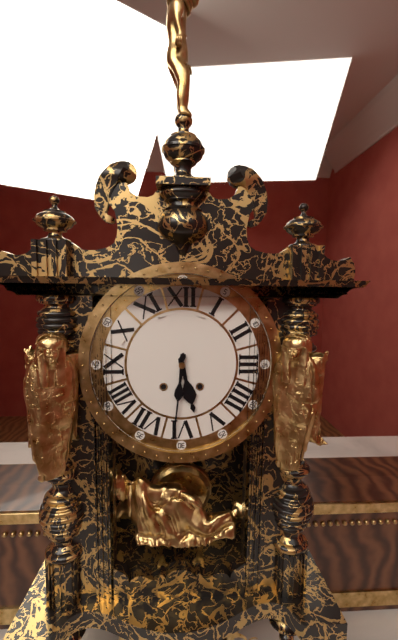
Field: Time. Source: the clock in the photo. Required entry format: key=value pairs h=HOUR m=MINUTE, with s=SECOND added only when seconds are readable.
h=5 m=31
